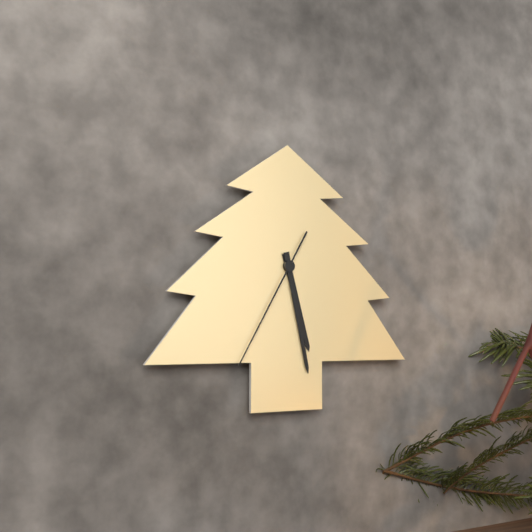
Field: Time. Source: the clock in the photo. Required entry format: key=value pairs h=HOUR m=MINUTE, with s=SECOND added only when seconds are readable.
h=5 m=28 s=35
